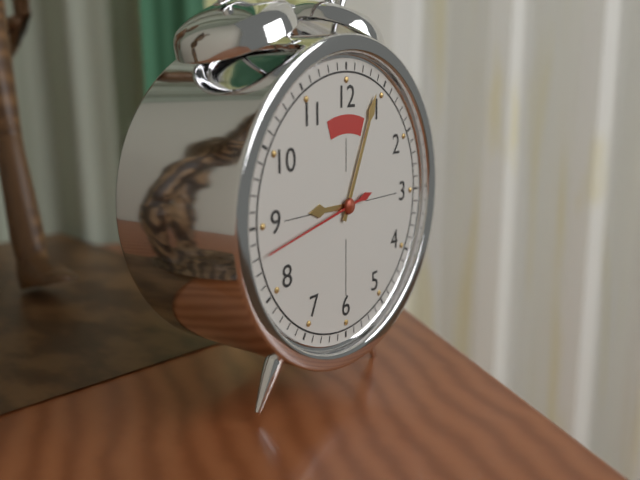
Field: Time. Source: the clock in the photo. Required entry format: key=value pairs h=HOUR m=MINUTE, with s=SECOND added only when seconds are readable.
h=9 m=4 s=43
